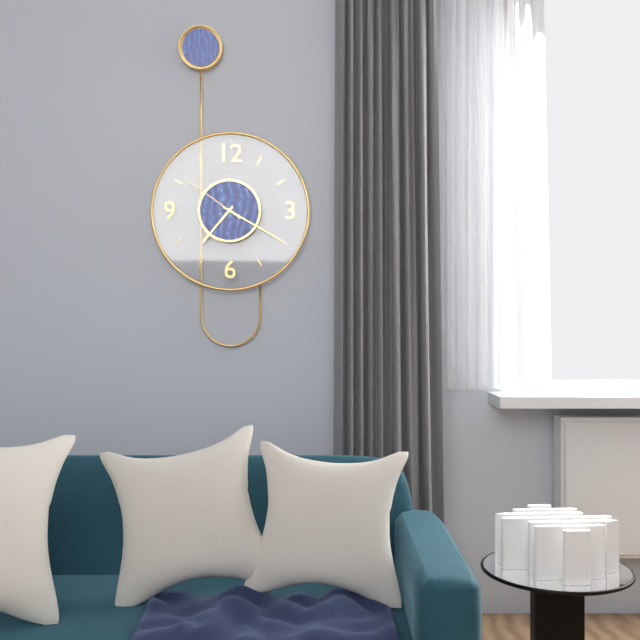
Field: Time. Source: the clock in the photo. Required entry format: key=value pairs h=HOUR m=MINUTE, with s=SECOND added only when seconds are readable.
h=7 m=20 s=51
